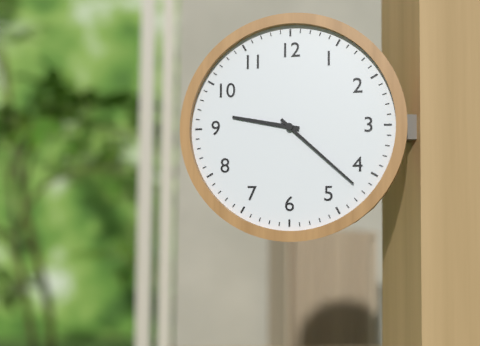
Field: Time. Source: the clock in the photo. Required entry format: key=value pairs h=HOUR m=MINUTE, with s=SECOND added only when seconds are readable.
h=9 m=22
